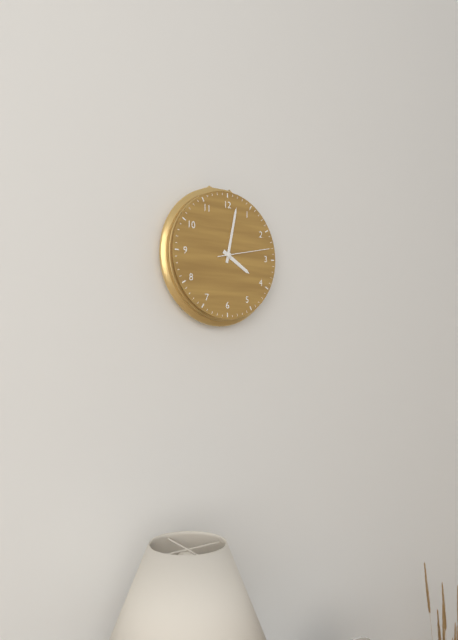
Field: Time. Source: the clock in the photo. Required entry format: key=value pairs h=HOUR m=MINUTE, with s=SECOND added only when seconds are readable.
h=4 m=2 s=13
